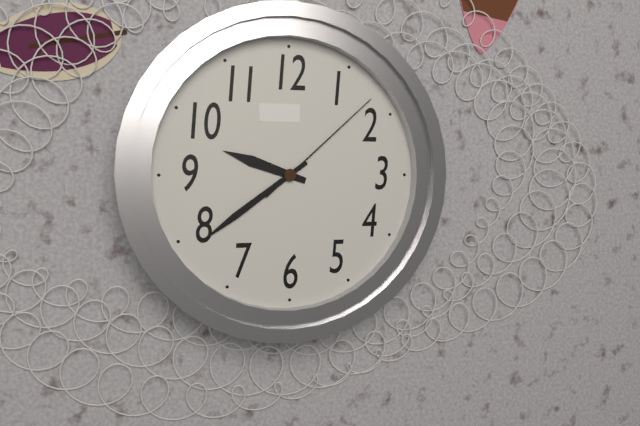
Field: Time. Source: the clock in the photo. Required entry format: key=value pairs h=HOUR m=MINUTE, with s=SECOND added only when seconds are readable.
h=9 m=39 s=8
